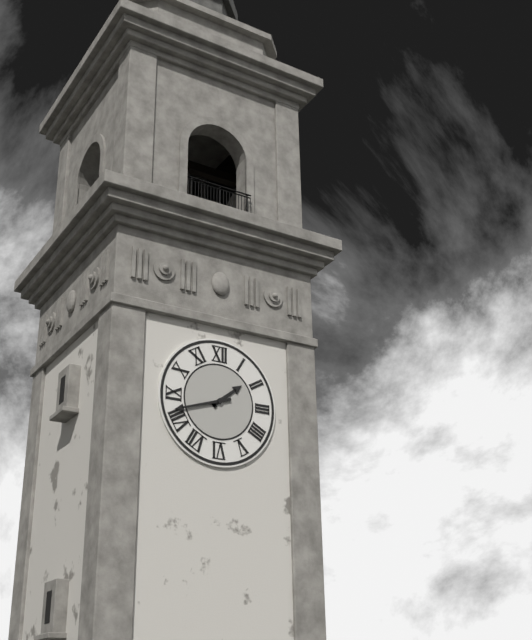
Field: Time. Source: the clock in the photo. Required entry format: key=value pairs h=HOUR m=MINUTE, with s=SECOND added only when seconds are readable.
h=1 m=42
